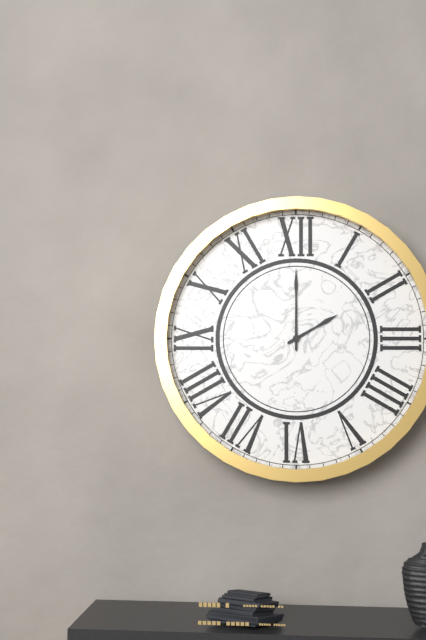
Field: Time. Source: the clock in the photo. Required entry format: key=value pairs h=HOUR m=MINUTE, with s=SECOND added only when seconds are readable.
h=2 m=0
